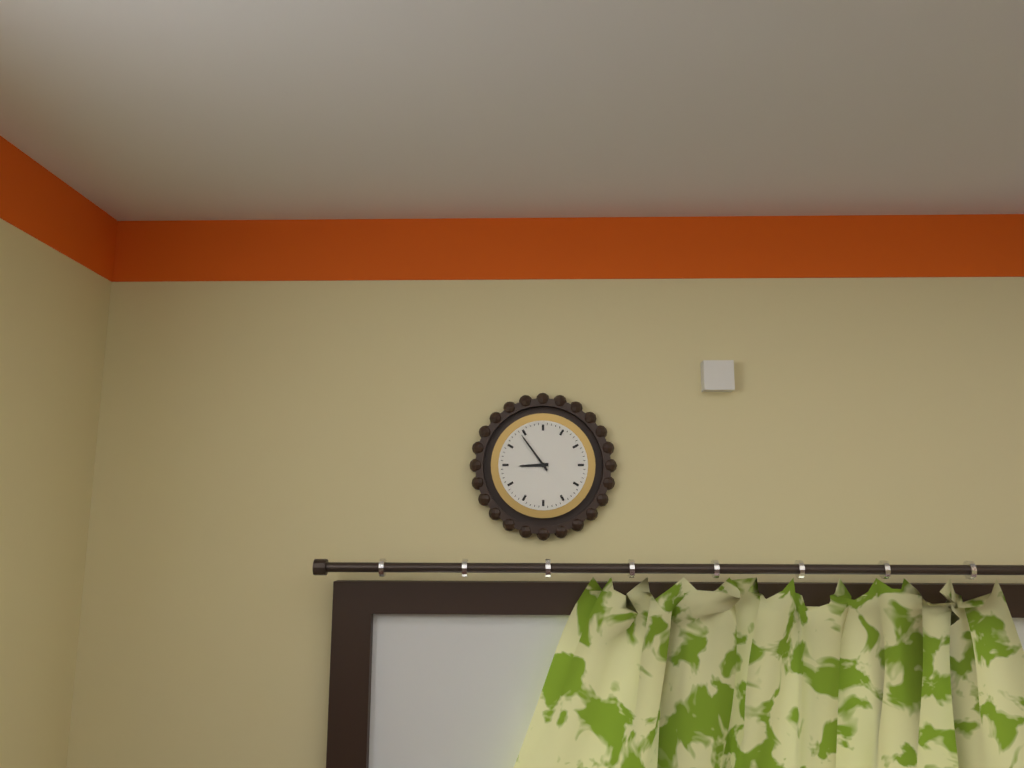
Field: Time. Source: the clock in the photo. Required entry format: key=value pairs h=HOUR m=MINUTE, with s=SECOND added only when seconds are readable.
h=8 m=54
